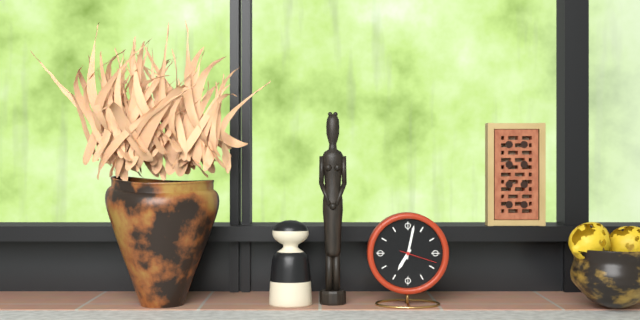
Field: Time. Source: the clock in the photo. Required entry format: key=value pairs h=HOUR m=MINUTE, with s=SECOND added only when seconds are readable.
h=7 m=2
